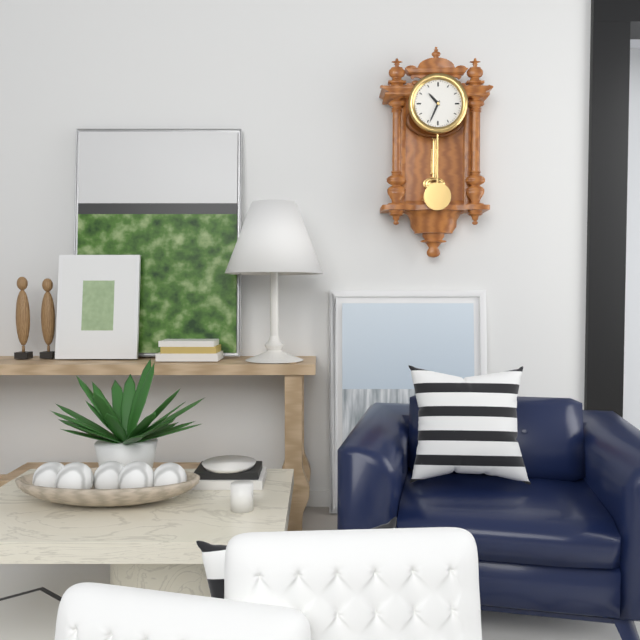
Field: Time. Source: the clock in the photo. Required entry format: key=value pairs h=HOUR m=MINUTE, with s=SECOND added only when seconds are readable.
h=10 m=34
